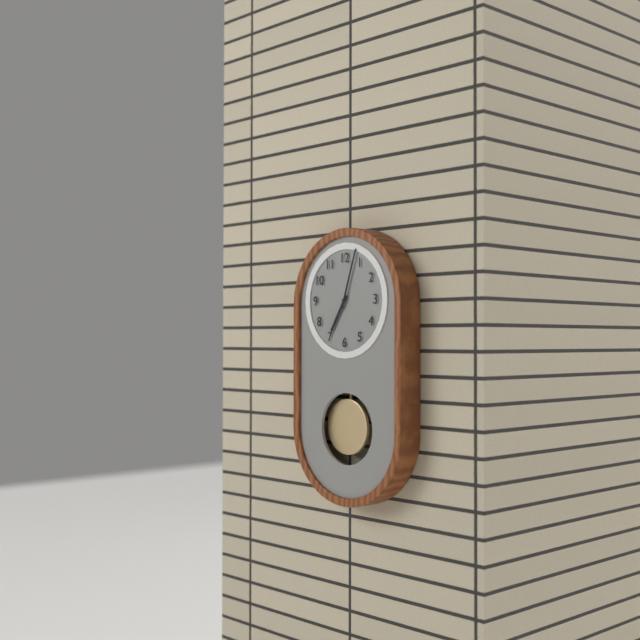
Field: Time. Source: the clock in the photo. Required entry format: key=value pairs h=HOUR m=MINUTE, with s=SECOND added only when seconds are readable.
h=7 m=3
